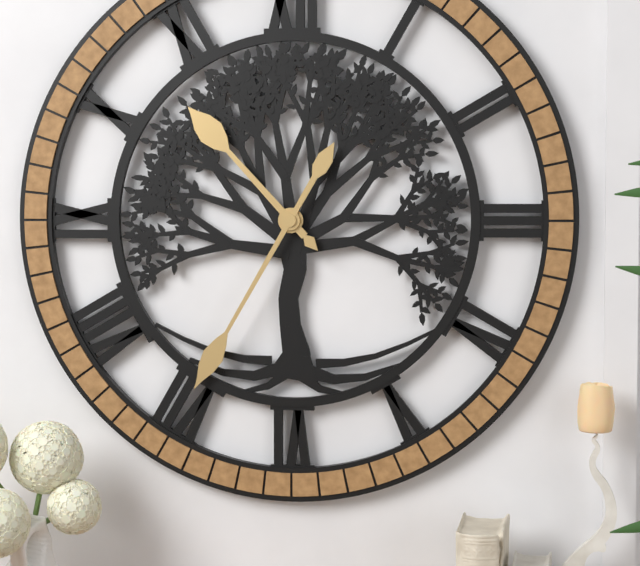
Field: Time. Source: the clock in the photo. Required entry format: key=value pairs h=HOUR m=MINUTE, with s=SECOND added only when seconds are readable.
h=10 m=35
